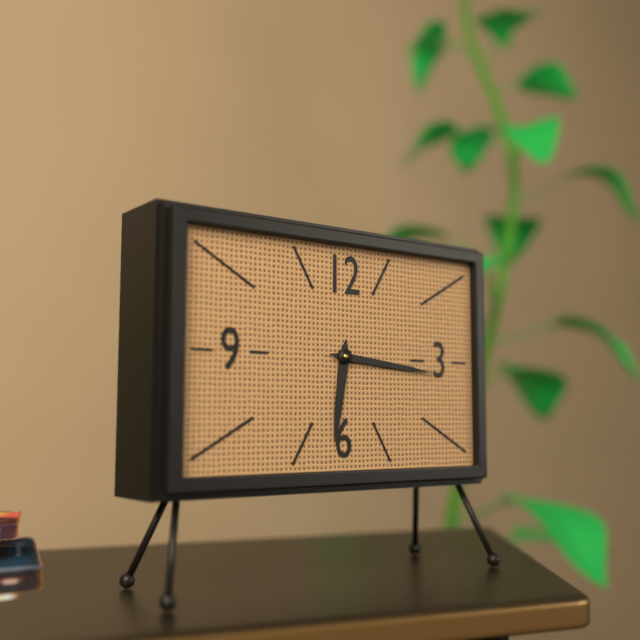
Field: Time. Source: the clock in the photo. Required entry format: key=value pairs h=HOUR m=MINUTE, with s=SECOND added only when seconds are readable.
h=6 m=16
